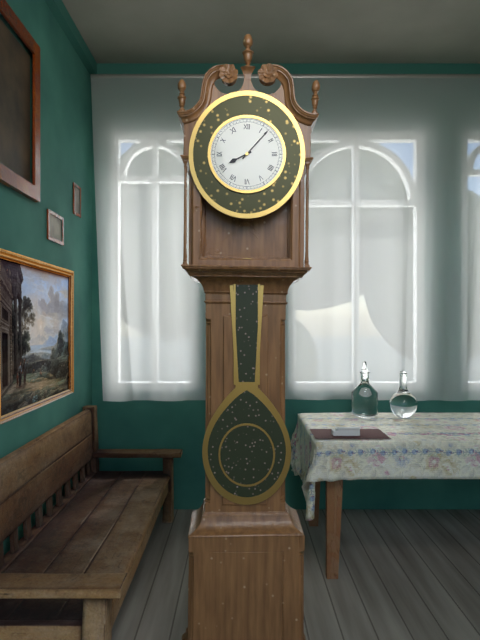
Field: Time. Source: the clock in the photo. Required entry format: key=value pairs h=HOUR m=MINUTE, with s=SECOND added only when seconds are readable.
h=8 m=7
